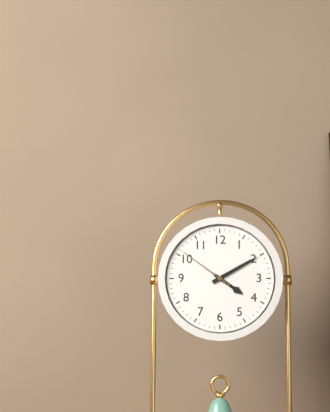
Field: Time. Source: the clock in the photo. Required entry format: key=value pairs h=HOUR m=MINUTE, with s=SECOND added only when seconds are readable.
h=4 m=10 s=51
